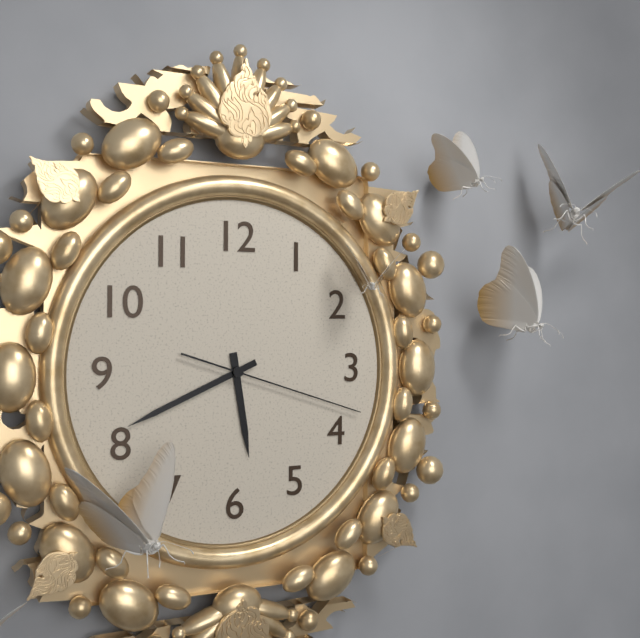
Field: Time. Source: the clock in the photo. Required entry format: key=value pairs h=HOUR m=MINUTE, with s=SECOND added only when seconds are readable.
h=5 m=41 s=18
